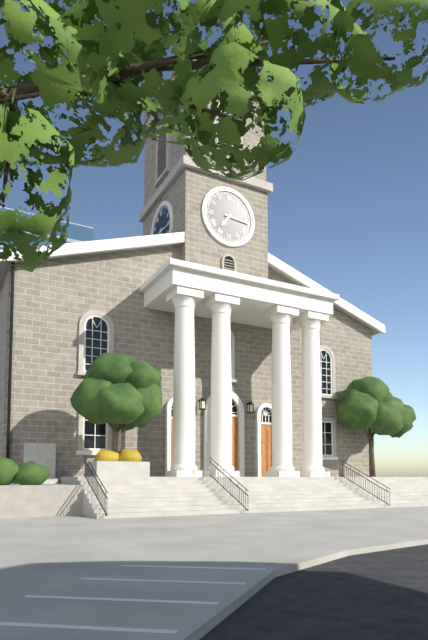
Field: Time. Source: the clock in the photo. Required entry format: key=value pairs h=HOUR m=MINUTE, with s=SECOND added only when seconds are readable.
h=7 m=16
